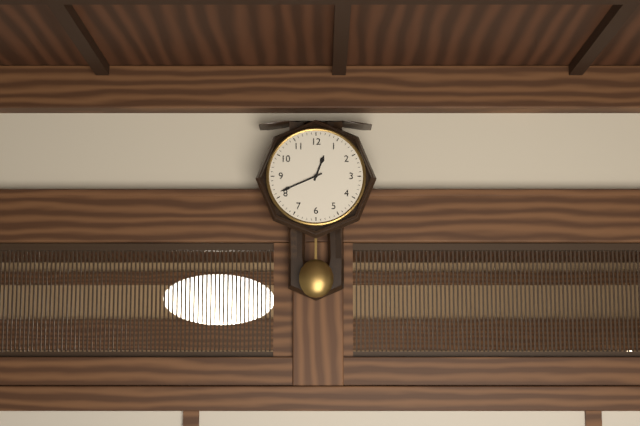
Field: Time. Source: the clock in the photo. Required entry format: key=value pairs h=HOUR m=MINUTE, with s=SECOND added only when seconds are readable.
h=12 m=41
